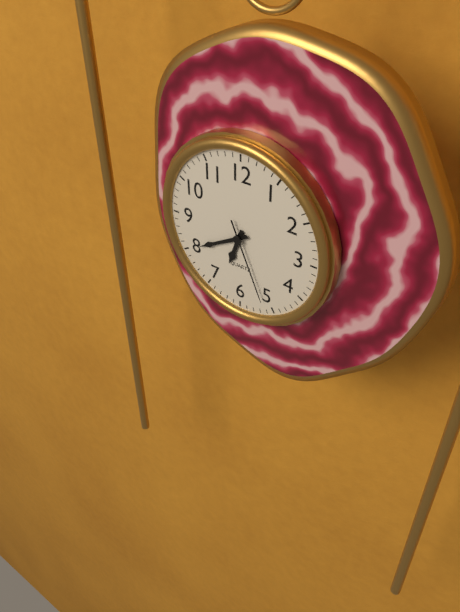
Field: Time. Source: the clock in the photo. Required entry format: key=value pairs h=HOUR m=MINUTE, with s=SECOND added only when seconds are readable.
h=6 m=40 s=26
